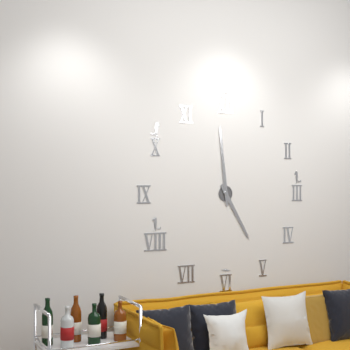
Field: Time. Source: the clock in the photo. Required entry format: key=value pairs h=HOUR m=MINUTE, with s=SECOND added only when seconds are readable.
h=4 m=59
